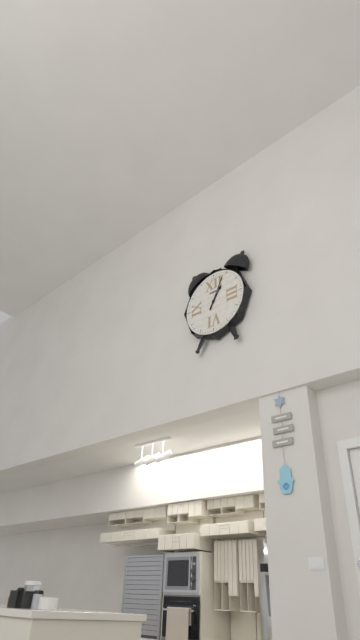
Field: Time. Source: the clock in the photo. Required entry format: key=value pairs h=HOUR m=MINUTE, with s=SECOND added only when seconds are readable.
h=1 m=4
